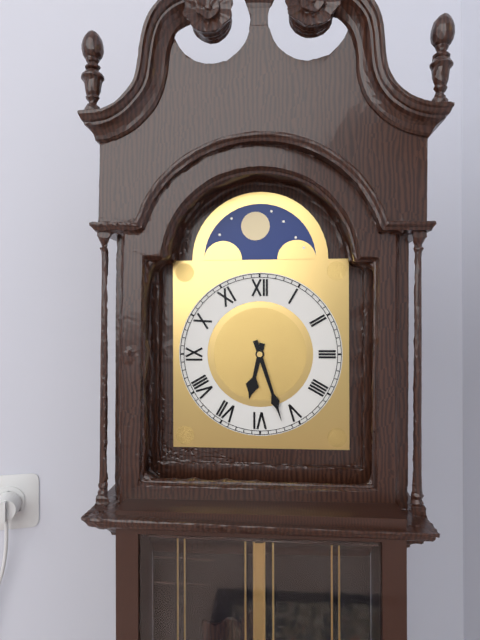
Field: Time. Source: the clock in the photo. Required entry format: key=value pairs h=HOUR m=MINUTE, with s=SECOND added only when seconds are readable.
h=6 m=27
